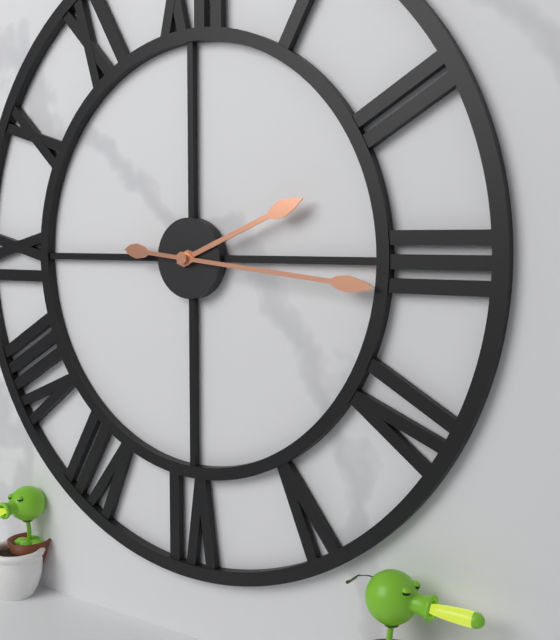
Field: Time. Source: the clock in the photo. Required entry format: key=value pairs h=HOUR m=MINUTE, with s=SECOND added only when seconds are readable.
h=2 m=16
